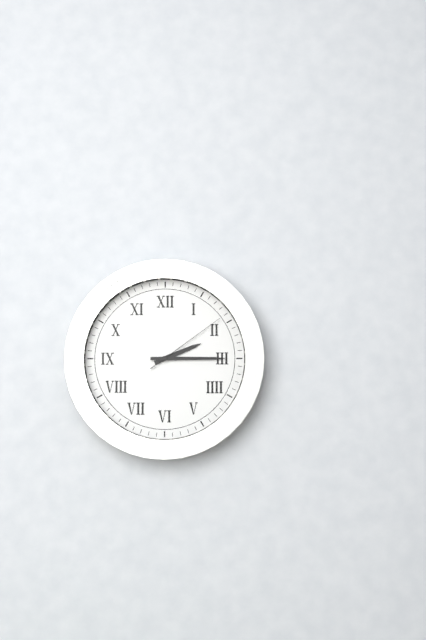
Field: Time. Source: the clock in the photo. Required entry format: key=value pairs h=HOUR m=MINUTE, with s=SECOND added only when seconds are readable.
h=2 m=15 s=9
